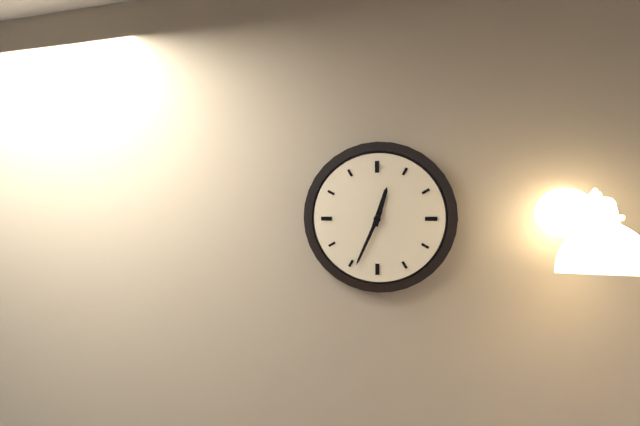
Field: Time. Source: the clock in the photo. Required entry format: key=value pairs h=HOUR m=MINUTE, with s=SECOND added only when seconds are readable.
h=12 m=34
